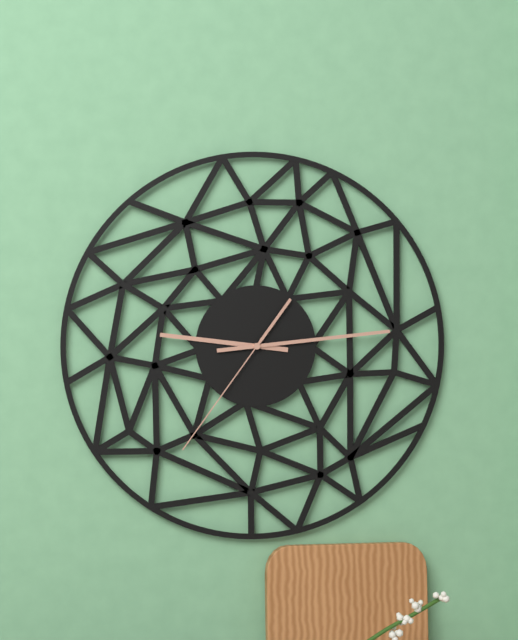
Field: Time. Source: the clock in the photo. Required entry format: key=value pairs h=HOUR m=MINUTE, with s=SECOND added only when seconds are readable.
h=9 m=14 s=36
